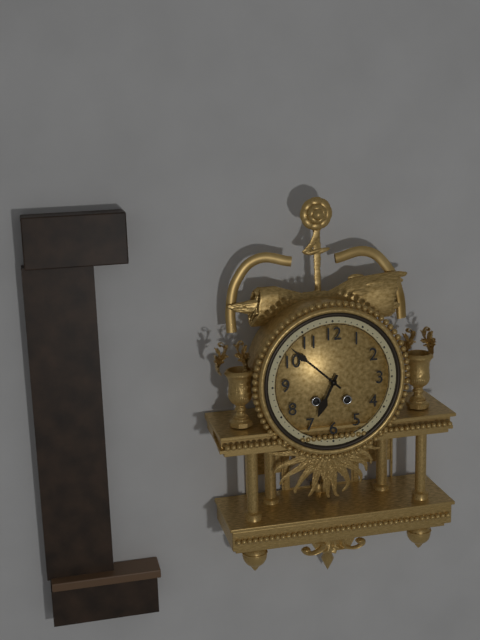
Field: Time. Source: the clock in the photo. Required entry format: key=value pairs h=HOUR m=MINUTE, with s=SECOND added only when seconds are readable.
h=6 m=52
